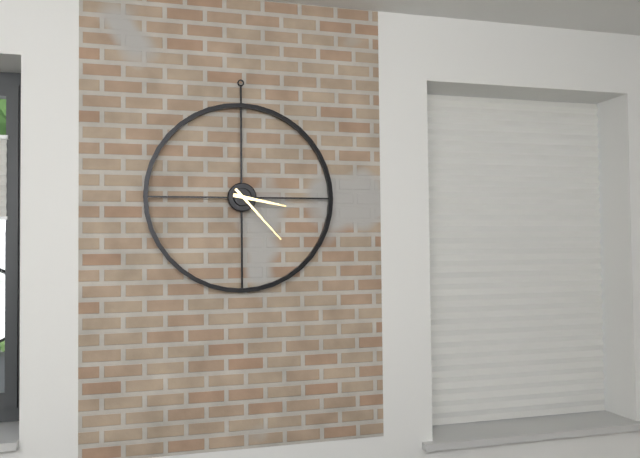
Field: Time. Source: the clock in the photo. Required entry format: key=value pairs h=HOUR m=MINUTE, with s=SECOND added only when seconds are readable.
h=3 m=23
